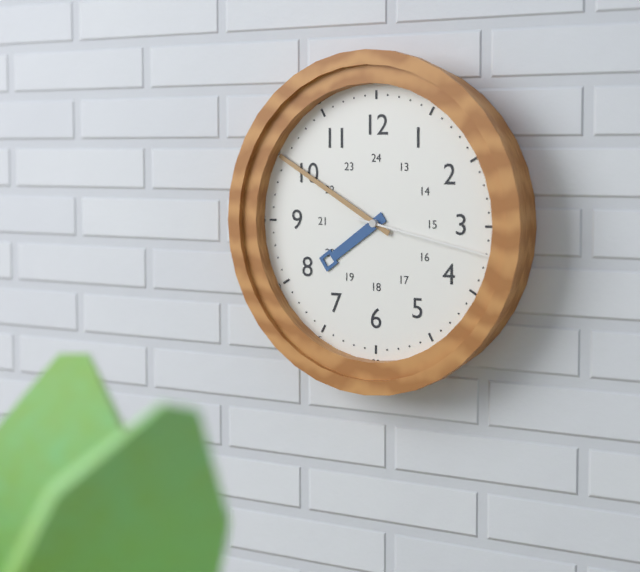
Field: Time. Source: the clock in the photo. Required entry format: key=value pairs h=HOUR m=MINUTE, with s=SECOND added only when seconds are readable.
h=7 m=50 s=17
